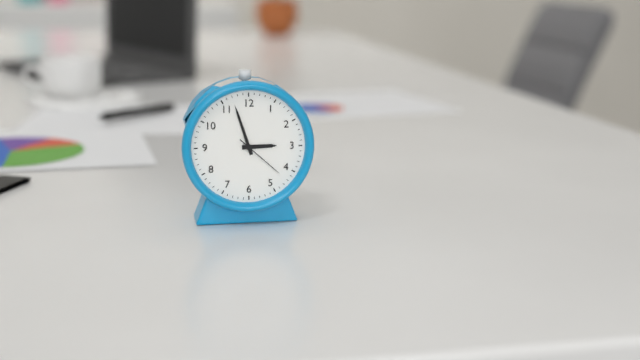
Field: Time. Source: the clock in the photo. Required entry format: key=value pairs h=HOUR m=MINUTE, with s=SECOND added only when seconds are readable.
h=2 m=57 s=22
